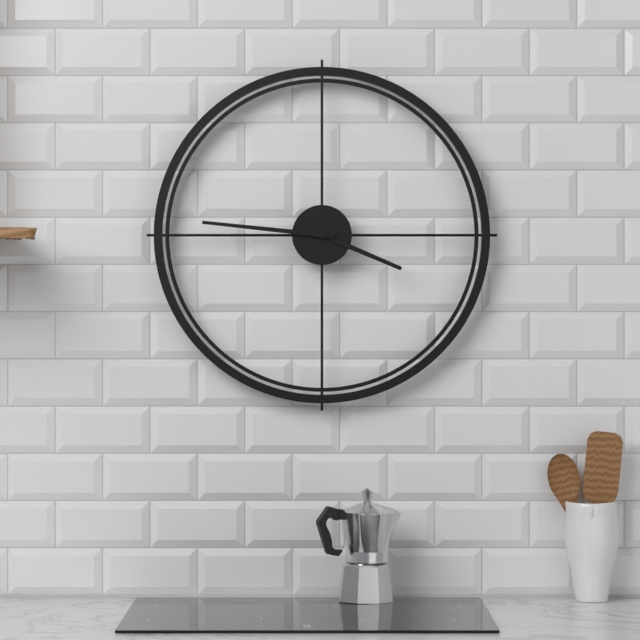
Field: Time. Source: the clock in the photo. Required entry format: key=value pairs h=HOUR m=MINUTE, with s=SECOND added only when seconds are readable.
h=3 m=46
